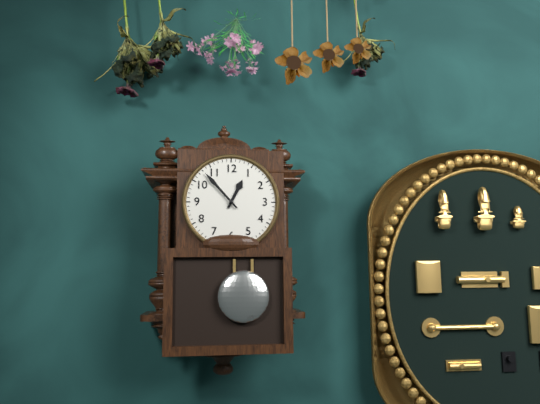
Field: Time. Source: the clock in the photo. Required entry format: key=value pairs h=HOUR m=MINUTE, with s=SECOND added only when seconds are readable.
h=12 m=53
